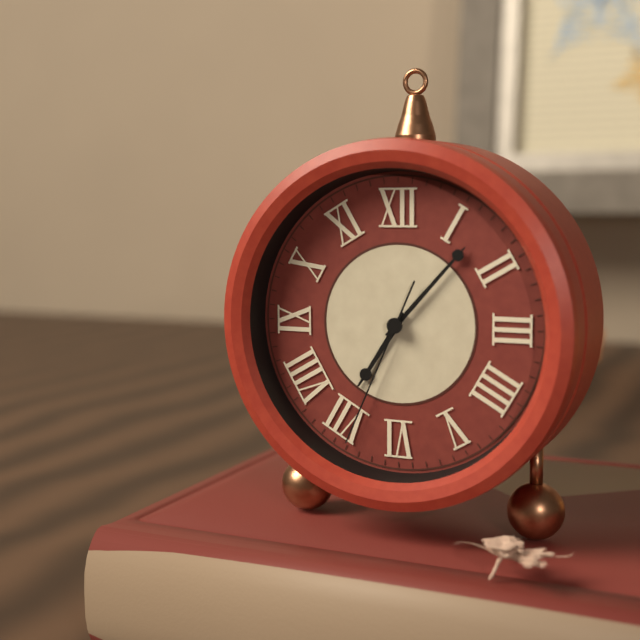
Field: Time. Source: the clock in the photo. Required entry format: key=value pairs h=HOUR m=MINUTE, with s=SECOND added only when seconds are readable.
h=7 m=7 s=34
